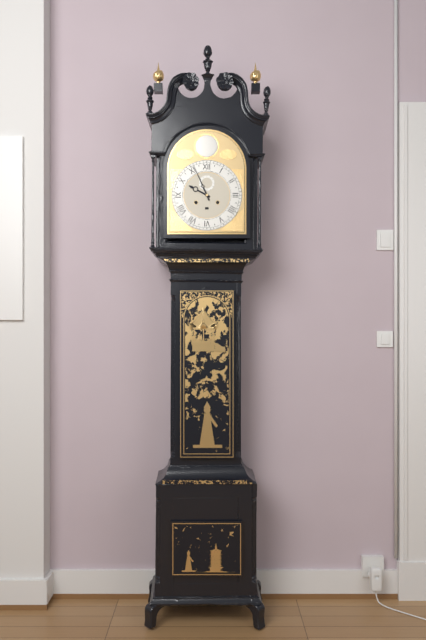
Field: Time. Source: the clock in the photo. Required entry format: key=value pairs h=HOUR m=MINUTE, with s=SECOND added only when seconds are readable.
h=9 m=56
